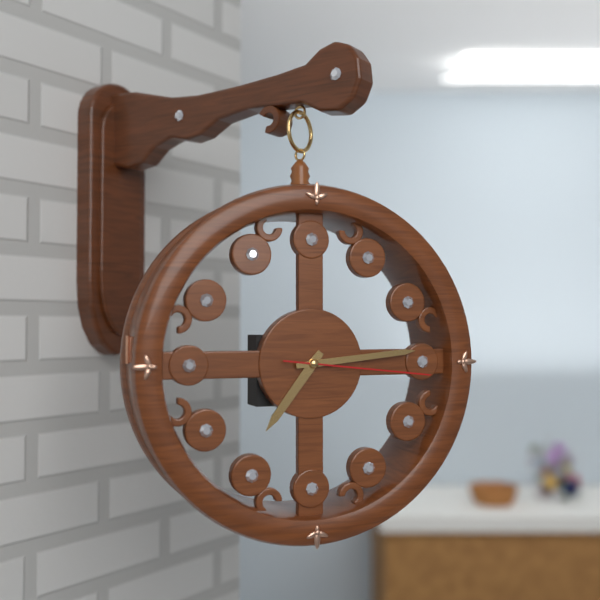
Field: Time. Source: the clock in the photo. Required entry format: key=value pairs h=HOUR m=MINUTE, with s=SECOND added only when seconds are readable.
h=7 m=14 s=16
